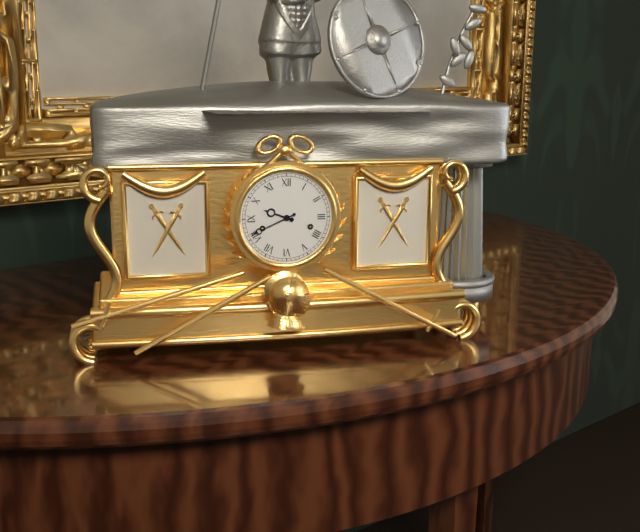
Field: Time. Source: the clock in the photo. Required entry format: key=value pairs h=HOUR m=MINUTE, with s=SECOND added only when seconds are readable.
h=9 m=41
